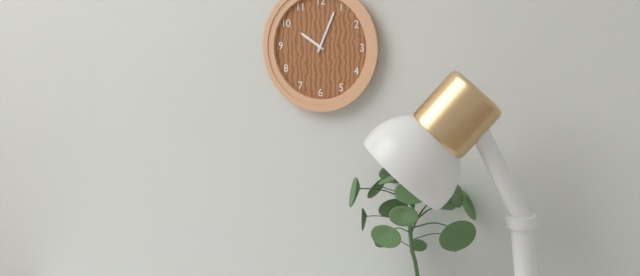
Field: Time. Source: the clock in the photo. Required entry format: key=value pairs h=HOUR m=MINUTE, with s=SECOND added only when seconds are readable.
h=10 m=4
